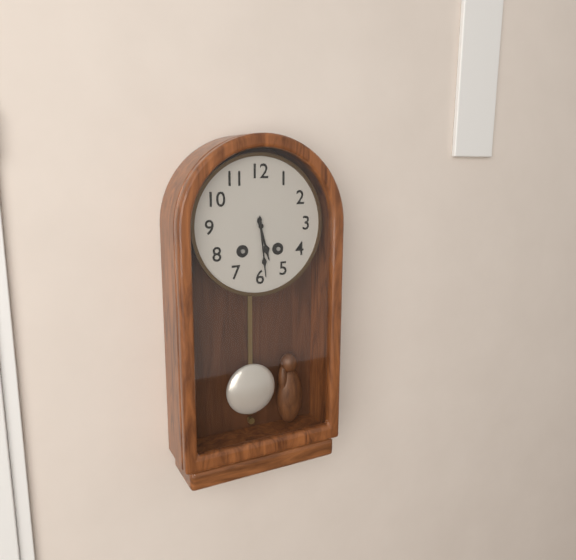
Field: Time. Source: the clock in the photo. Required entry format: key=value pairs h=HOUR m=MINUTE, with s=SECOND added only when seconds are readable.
h=5 m=29
